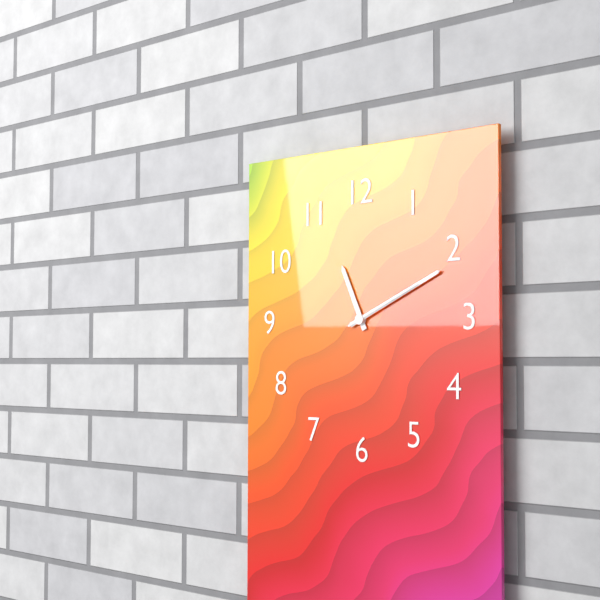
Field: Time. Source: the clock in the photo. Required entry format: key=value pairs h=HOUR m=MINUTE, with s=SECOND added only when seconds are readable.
h=11 m=11 s=11
